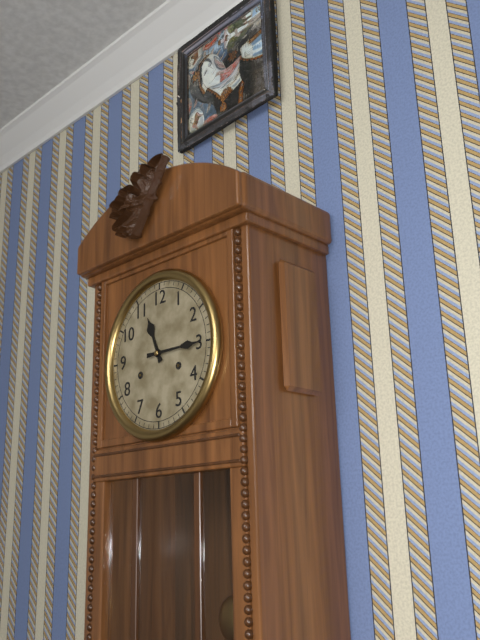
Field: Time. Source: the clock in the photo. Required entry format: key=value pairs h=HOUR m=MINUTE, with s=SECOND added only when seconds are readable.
h=11 m=15
